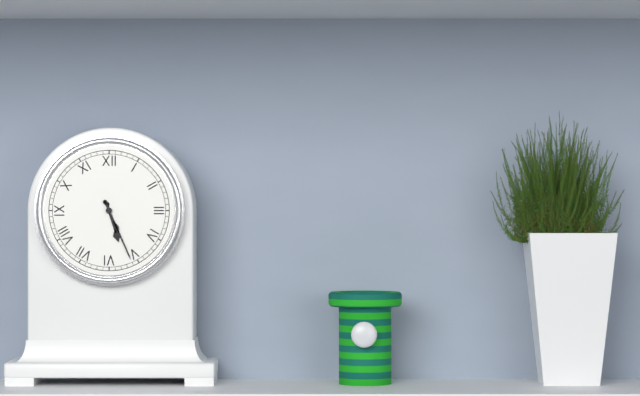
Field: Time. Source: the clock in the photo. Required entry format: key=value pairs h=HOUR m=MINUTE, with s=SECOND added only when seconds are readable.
h=5 m=26
